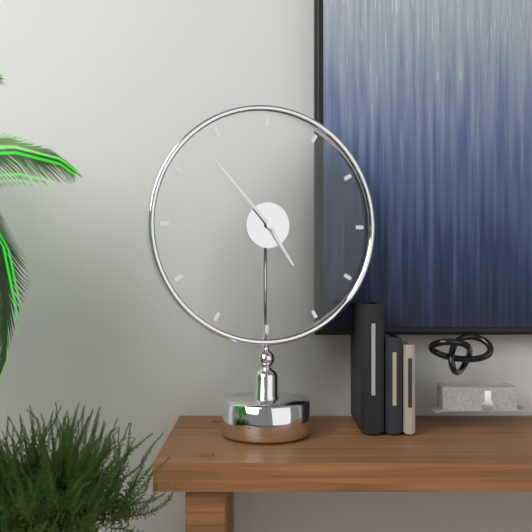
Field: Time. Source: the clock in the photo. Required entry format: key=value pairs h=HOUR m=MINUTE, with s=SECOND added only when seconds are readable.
h=4 m=53
